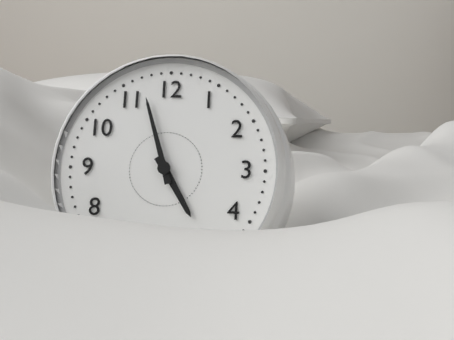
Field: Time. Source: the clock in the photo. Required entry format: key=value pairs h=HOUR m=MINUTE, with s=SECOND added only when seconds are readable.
h=4 m=57
